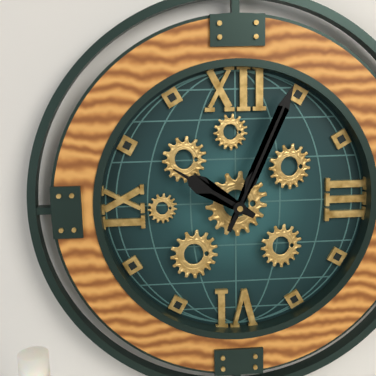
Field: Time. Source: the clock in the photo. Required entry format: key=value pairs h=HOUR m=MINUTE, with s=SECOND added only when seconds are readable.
h=10 m=4
